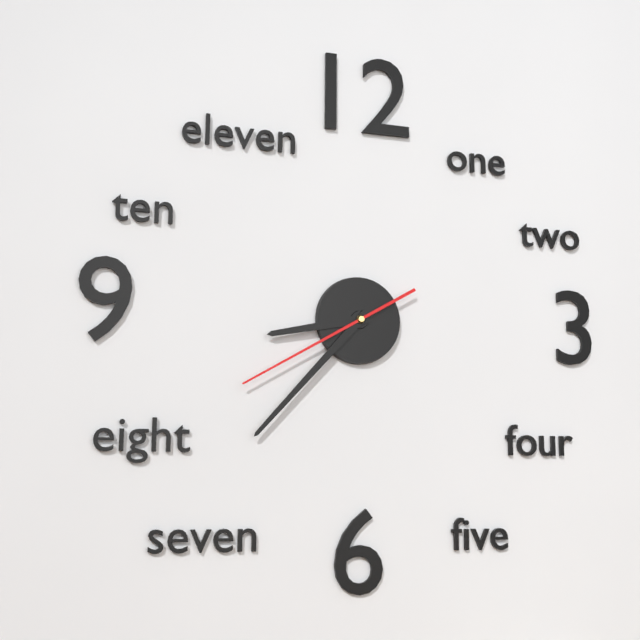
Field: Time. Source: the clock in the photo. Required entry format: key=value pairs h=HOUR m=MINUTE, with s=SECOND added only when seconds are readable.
h=8 m=37 s=40
